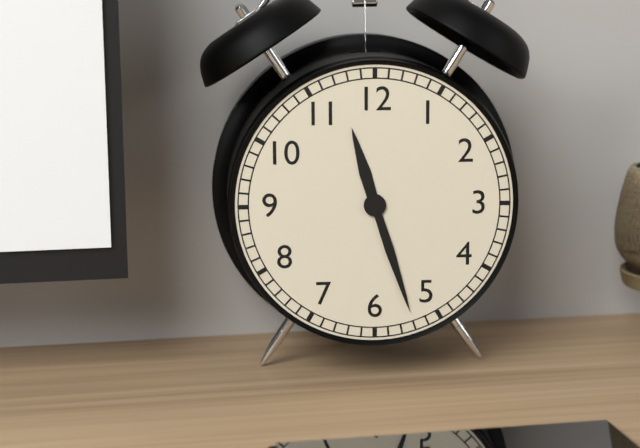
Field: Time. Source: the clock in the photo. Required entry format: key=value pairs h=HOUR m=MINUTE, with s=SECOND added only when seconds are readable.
h=11 m=27
